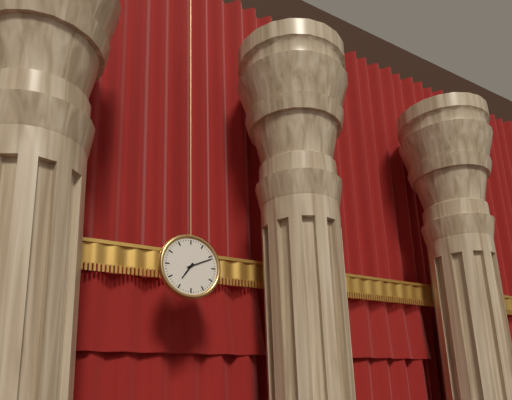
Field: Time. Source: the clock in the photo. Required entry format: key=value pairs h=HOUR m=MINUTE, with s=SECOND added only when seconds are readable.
h=7 m=11
